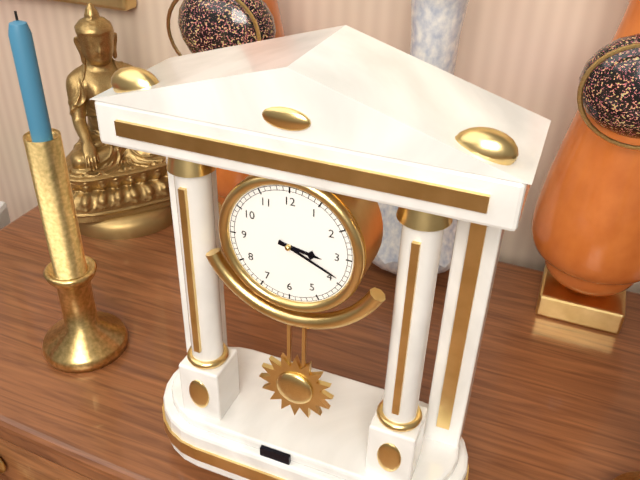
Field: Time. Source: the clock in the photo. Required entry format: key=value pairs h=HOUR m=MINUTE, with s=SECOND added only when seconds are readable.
h=3 m=19
